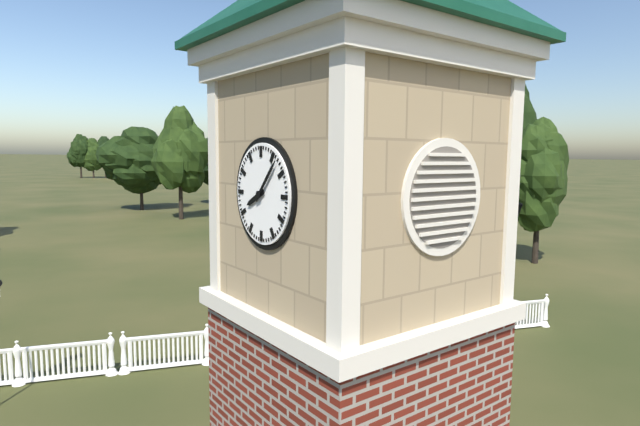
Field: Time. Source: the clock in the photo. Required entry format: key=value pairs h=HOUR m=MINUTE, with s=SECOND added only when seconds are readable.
h=8 m=7
